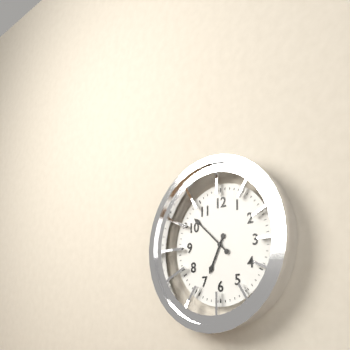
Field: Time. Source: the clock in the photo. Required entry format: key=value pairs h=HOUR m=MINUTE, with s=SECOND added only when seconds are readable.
h=6 m=52
